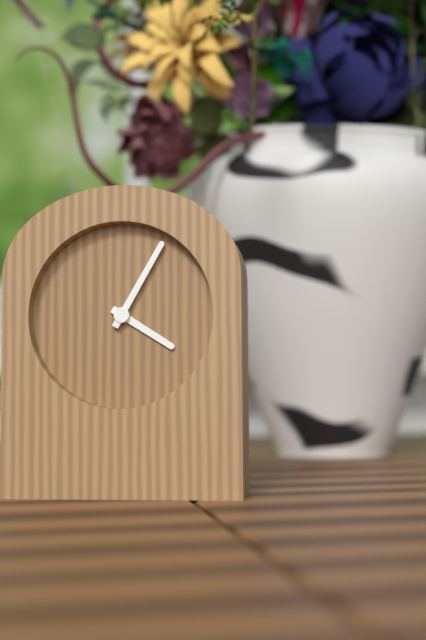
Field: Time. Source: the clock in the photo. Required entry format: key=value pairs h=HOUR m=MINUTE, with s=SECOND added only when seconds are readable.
h=4 m=5
